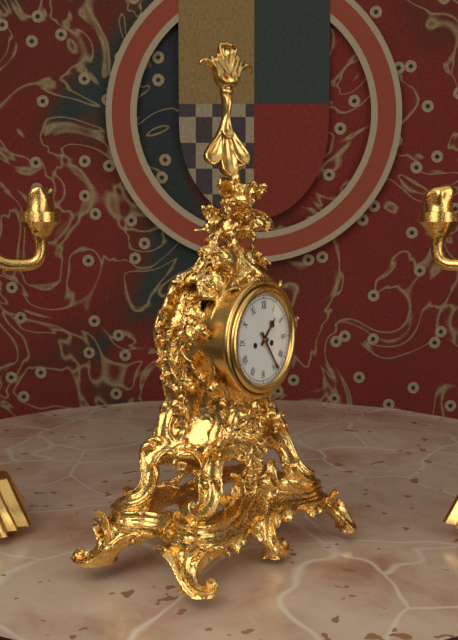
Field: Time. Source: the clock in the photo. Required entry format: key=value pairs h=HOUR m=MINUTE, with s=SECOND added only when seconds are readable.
h=1 m=24
